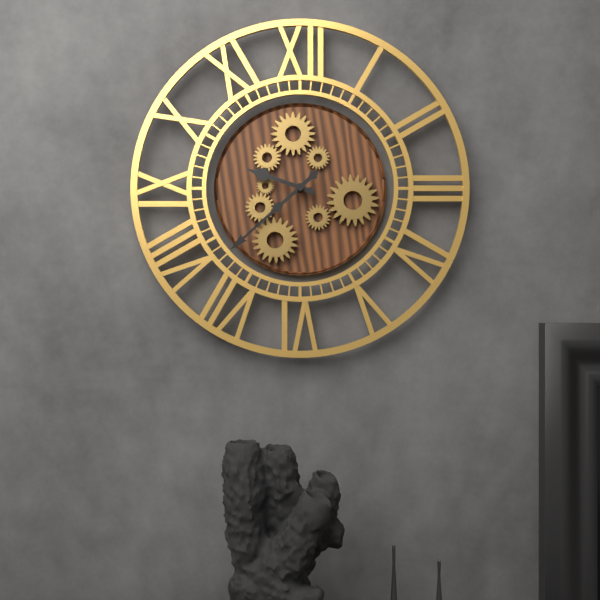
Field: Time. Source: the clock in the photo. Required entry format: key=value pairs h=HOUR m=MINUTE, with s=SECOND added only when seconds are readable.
h=9 m=38
